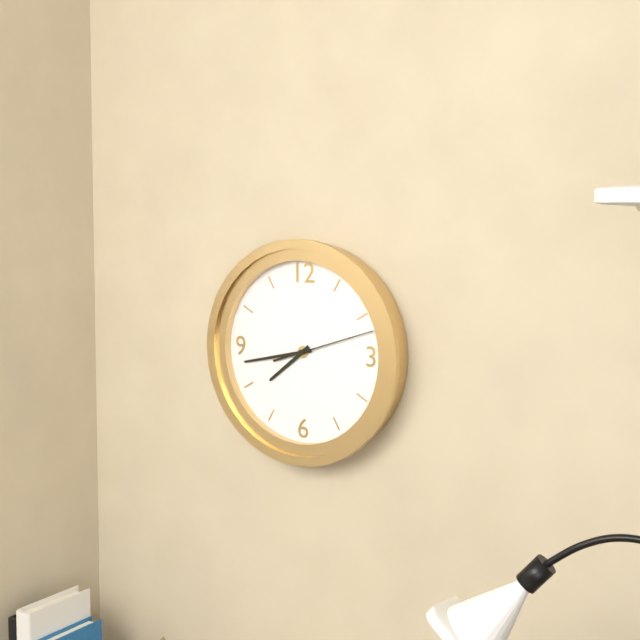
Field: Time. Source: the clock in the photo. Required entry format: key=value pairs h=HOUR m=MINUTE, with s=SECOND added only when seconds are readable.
h=7 m=43 s=12
